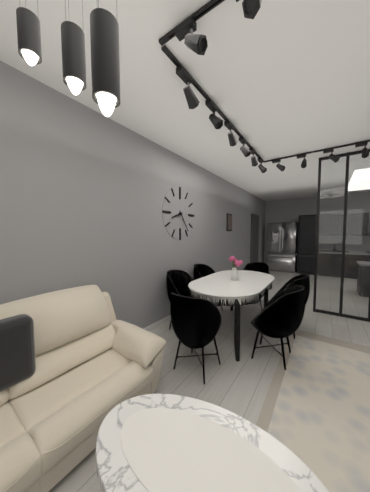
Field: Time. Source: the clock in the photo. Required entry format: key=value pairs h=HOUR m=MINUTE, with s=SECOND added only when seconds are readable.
h=8 m=24
